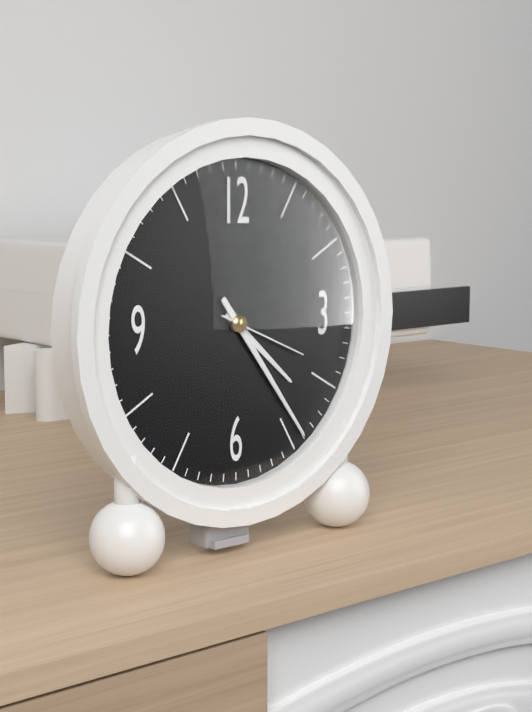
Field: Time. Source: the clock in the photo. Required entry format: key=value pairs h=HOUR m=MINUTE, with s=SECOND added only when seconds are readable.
h=4 m=24 s=19
